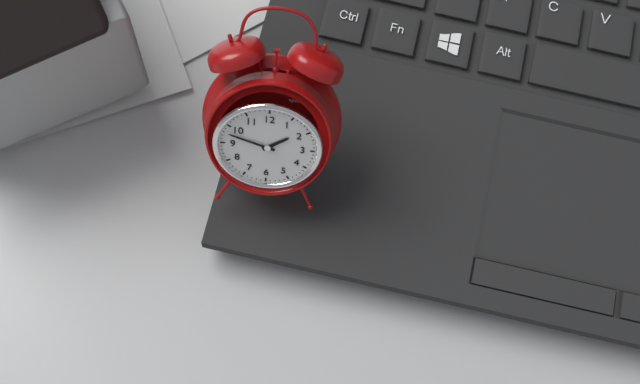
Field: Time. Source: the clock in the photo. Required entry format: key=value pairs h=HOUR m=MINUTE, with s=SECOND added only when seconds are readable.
h=1 m=48
